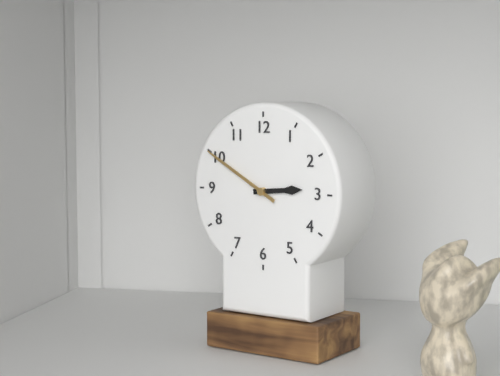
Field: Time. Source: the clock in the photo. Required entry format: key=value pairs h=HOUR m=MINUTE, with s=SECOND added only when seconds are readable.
h=2 m=50
